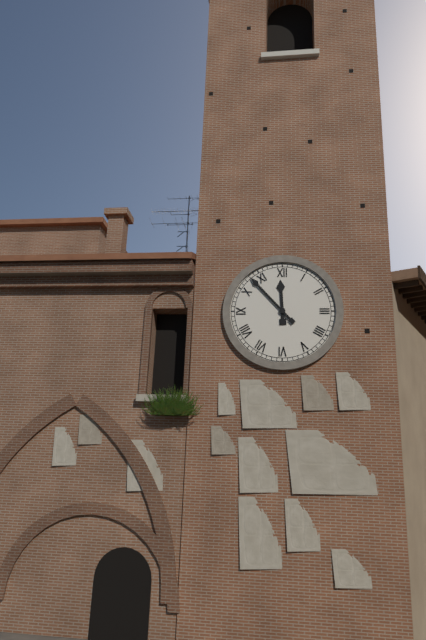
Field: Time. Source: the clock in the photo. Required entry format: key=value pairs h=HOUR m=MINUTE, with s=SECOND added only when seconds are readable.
h=11 m=53
